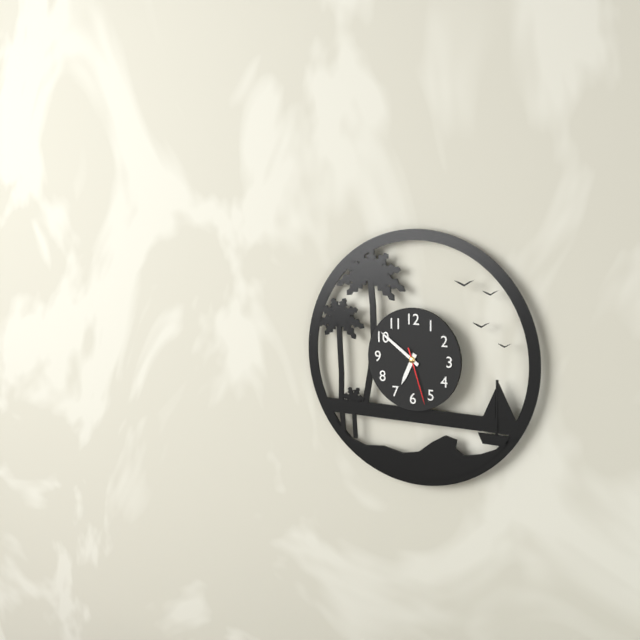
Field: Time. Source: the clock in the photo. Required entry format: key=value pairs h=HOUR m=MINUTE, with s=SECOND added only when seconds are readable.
h=6 m=51 s=27
